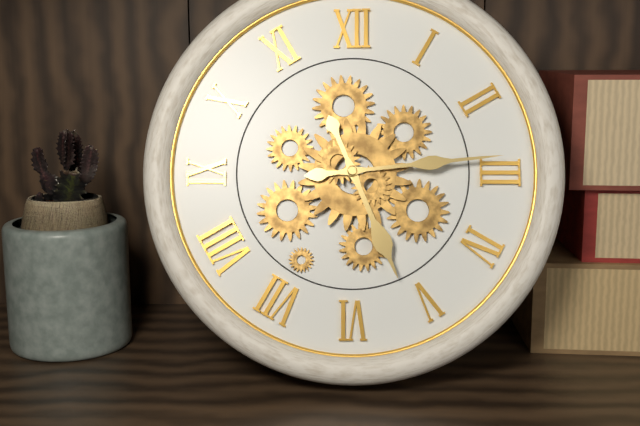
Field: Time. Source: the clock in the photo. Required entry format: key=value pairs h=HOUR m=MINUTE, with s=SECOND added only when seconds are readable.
h=5 m=14
